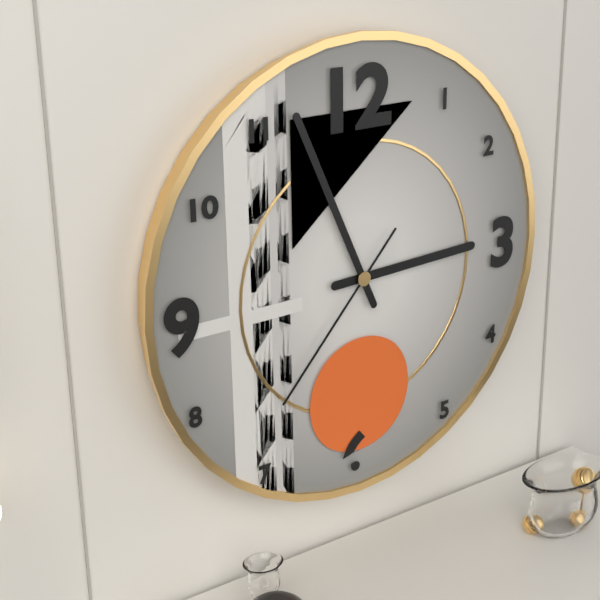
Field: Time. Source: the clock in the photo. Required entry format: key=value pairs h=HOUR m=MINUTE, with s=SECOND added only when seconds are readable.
h=2 m=56 s=37
